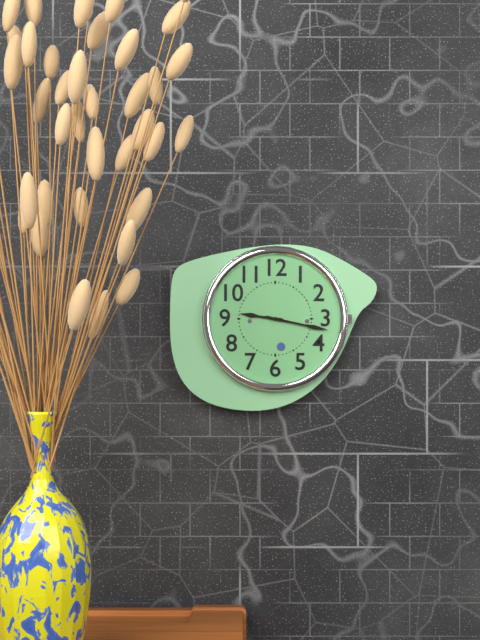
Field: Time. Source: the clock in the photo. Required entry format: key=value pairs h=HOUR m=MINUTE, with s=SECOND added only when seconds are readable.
h=9 m=17
